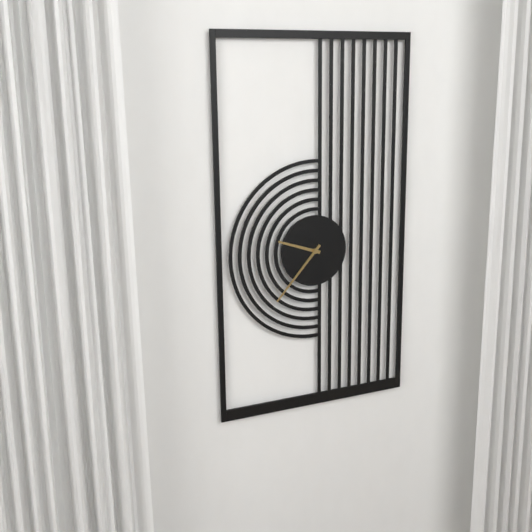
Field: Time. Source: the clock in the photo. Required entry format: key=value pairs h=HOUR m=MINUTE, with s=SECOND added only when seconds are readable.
h=9 m=37
